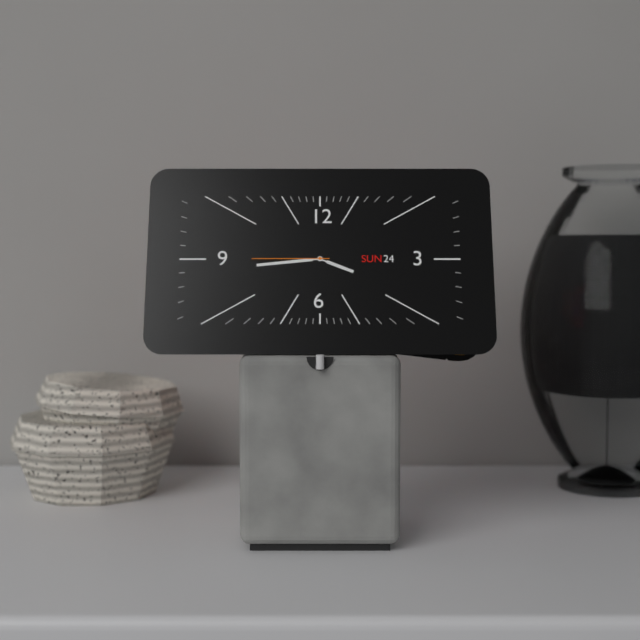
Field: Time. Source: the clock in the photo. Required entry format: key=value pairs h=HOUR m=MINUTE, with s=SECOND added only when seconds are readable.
h=3 m=44 s=45
